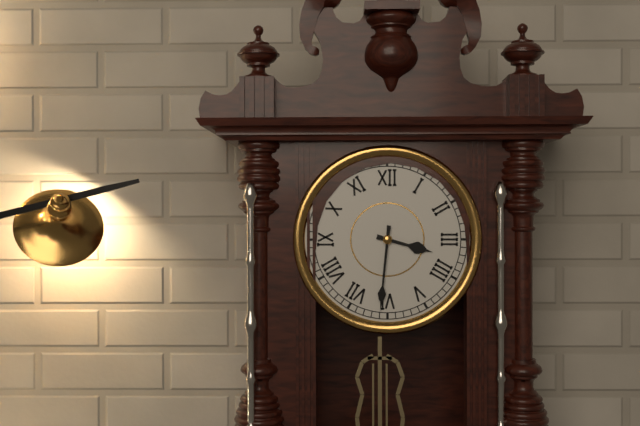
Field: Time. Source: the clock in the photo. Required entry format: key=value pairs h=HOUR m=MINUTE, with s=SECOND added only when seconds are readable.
h=3 m=31
